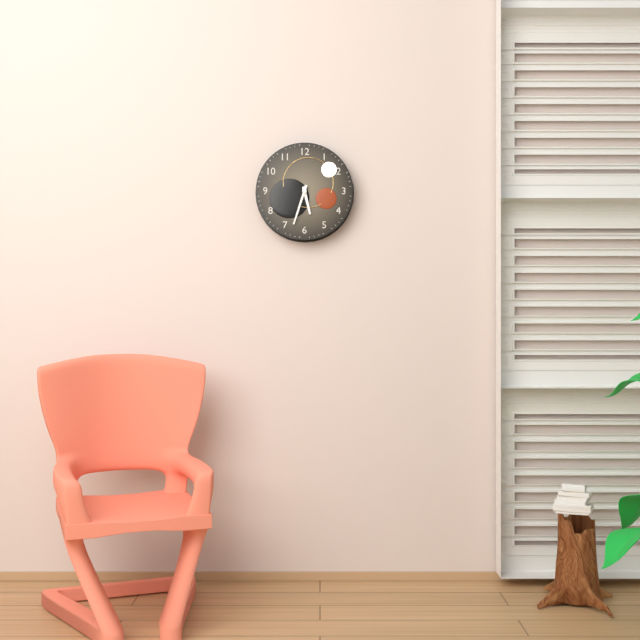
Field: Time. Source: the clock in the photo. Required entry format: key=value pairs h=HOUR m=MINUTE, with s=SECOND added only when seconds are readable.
h=5 m=33
